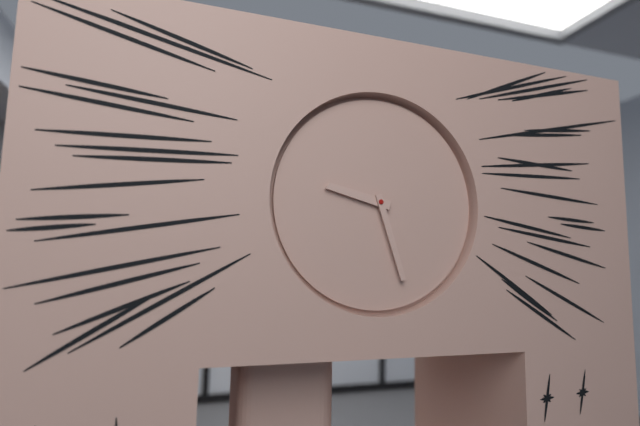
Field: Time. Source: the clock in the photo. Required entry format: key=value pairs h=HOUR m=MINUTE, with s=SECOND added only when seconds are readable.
h=9 m=27
